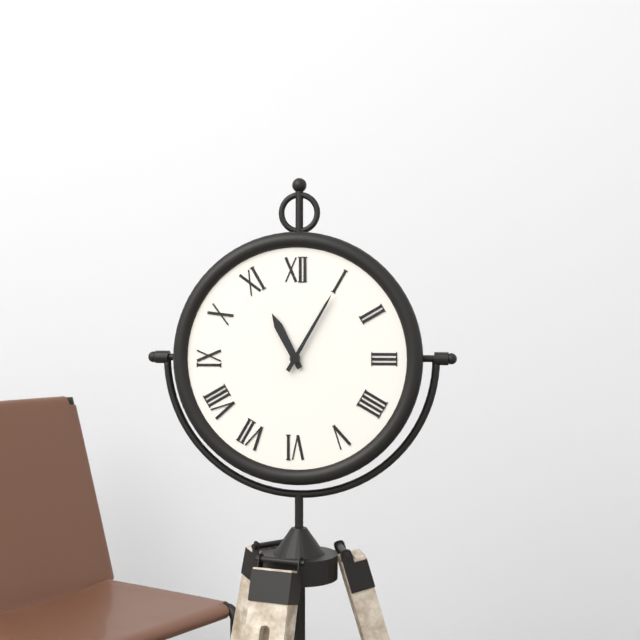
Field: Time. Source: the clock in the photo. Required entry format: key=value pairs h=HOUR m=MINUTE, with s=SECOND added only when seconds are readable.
h=11 m=5
